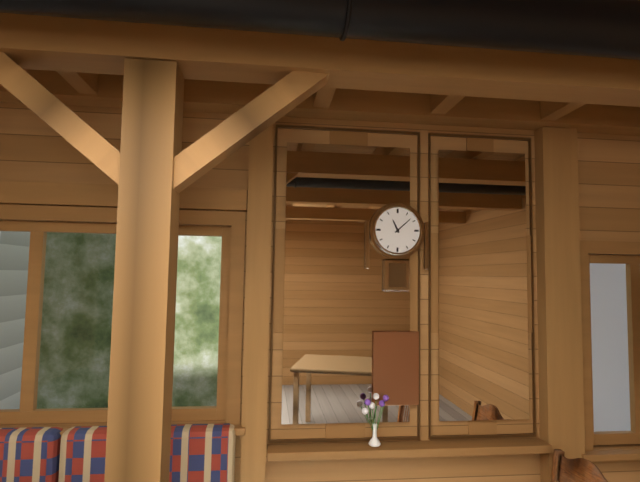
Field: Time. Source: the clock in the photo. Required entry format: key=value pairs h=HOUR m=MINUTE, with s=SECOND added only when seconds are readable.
h=11 m=8
